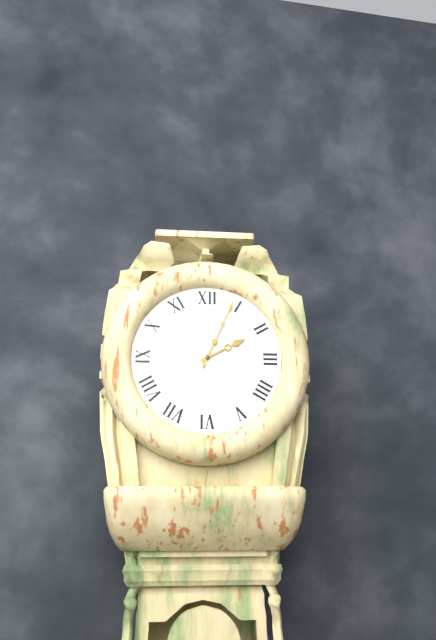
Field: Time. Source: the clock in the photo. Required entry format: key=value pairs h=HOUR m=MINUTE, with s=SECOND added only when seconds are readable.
h=2 m=4
